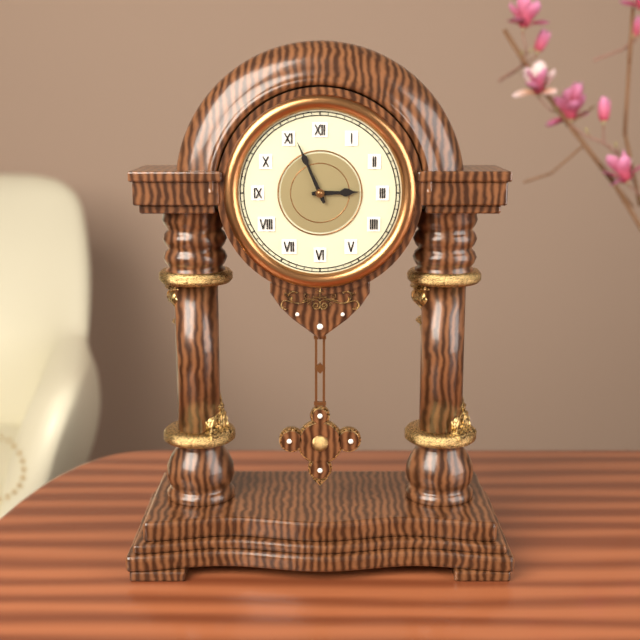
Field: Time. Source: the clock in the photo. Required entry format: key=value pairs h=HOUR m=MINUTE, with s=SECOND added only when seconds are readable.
h=2 m=56
